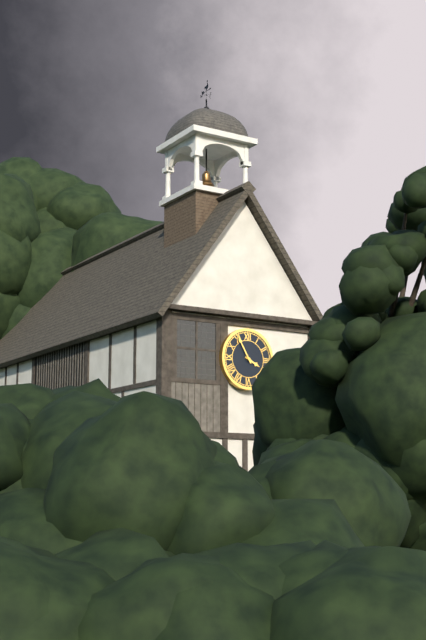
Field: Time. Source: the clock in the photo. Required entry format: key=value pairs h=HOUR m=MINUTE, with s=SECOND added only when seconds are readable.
h=3 m=55
